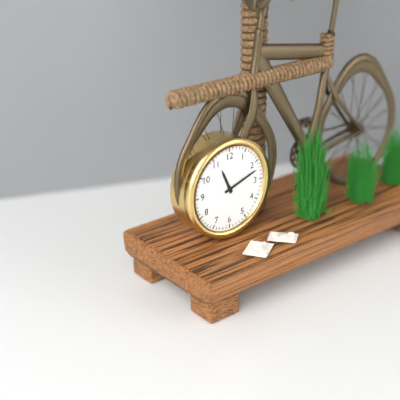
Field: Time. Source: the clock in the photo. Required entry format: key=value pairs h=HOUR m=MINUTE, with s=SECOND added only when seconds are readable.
h=11 m=12
